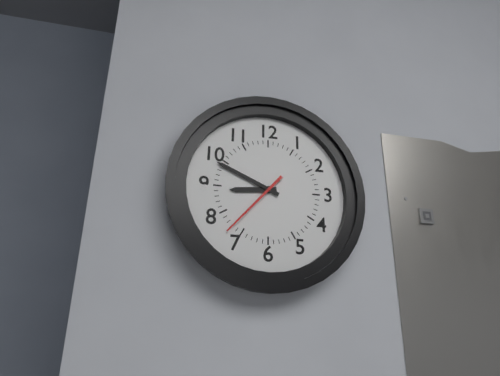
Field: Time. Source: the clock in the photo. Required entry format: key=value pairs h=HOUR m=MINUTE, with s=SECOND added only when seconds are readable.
h=8 m=49 s=37
